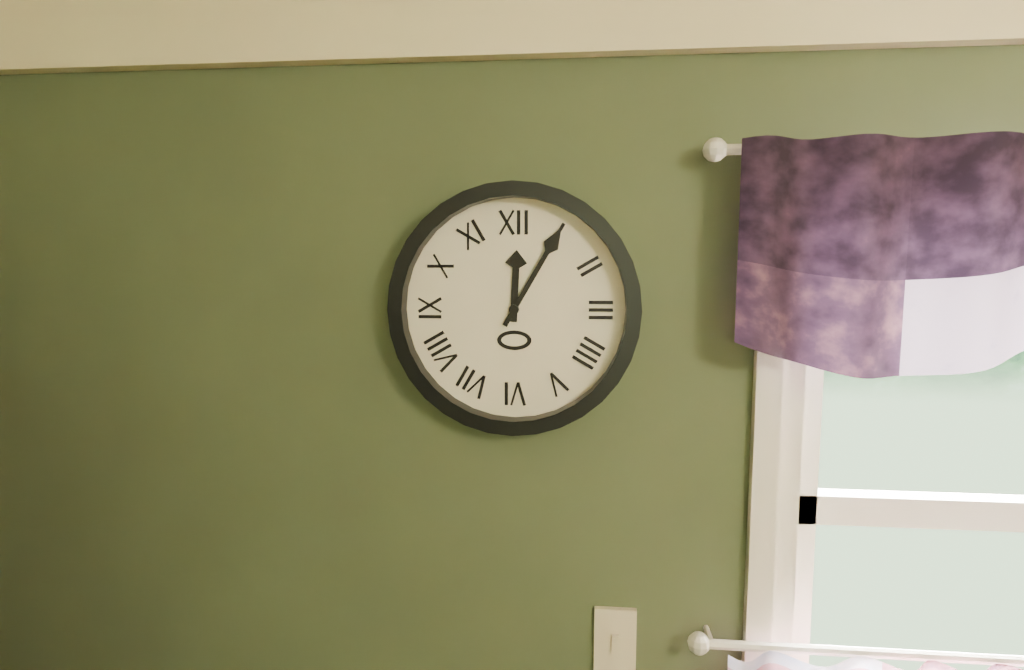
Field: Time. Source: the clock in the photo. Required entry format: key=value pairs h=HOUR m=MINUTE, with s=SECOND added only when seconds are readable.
h=12 m=5
